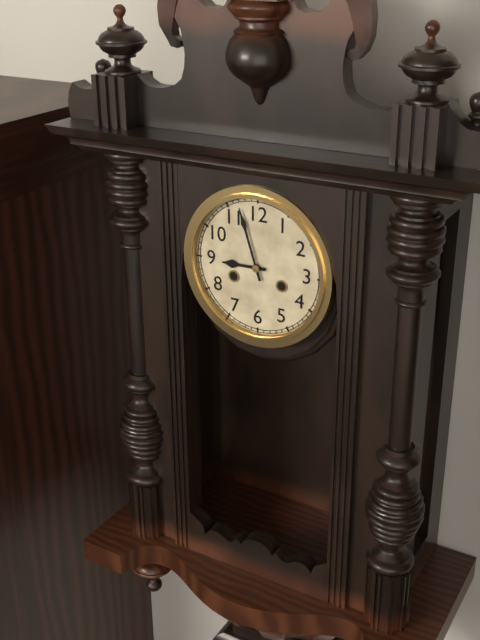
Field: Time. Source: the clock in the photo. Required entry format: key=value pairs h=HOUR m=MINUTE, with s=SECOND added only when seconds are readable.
h=8 m=57
